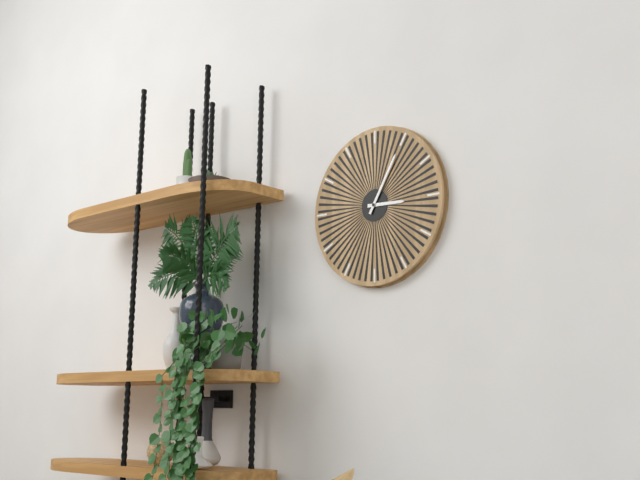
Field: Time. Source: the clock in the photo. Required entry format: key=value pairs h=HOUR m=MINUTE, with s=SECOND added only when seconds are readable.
h=3 m=5
